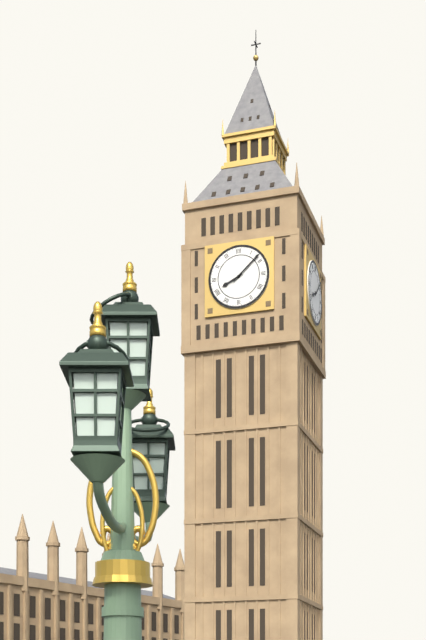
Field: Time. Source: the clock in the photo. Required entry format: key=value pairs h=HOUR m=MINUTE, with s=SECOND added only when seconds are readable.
h=8 m=8
